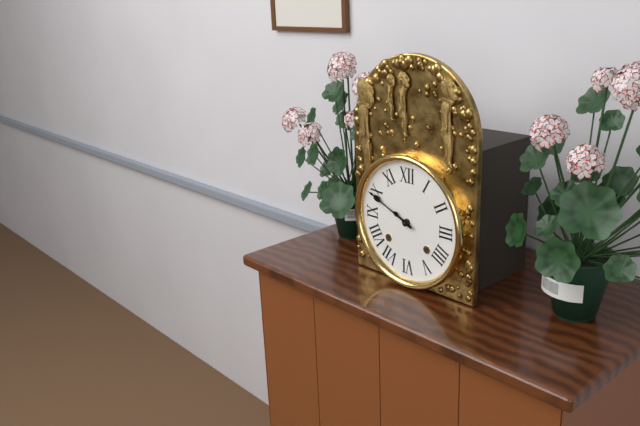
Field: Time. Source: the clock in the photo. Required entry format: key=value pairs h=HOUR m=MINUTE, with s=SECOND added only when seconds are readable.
h=9 m=49
